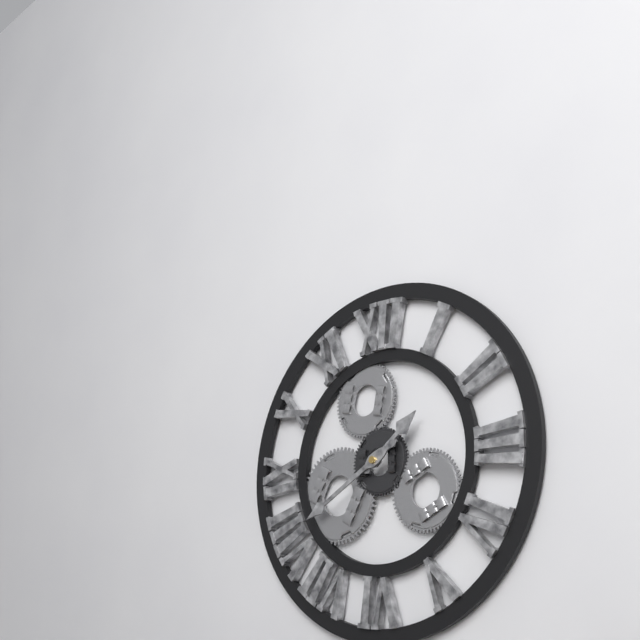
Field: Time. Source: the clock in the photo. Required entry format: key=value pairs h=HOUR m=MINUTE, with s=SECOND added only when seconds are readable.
h=1 m=40
